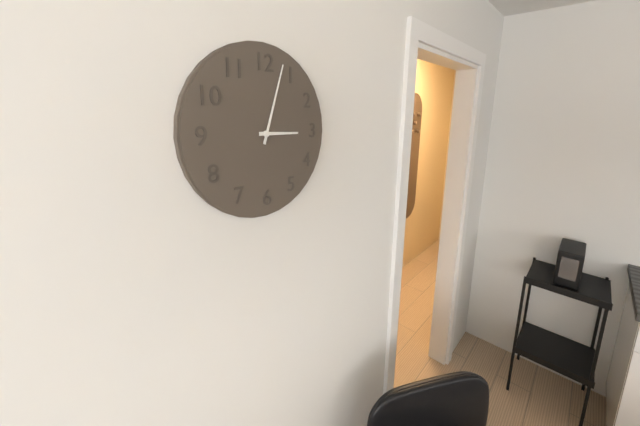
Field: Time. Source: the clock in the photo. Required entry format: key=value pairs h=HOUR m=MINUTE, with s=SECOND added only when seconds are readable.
h=3 m=3
